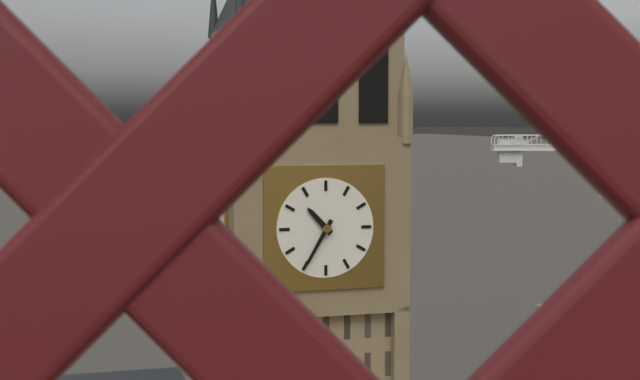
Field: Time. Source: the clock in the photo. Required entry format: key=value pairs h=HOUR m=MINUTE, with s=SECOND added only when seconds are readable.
h=10 m=35
